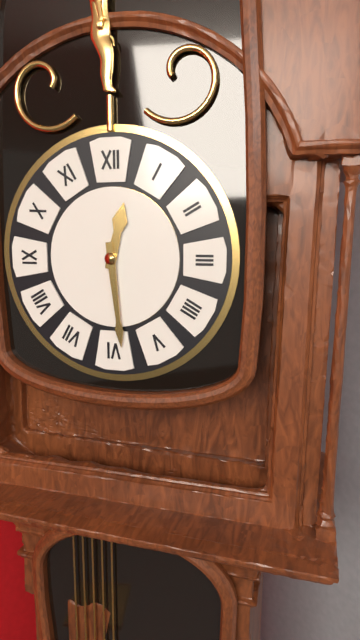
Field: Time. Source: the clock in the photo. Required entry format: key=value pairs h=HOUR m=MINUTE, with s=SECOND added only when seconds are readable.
h=12 m=29
